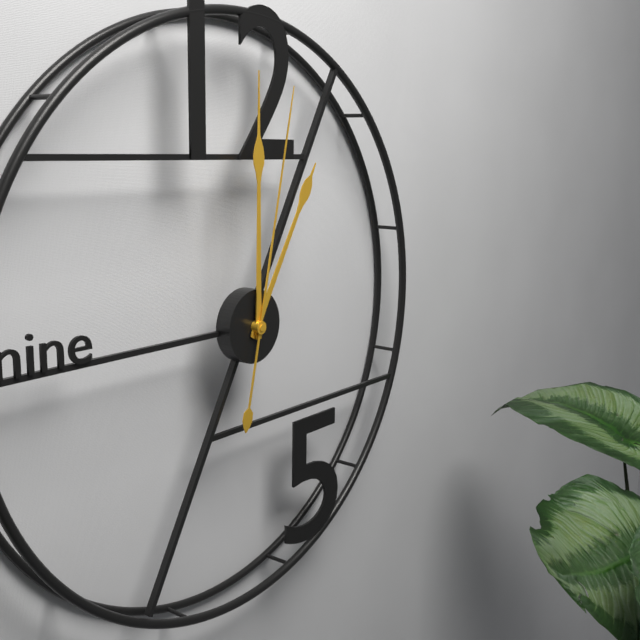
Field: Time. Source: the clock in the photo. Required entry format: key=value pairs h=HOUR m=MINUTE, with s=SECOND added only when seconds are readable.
h=1 m=0 s=2
